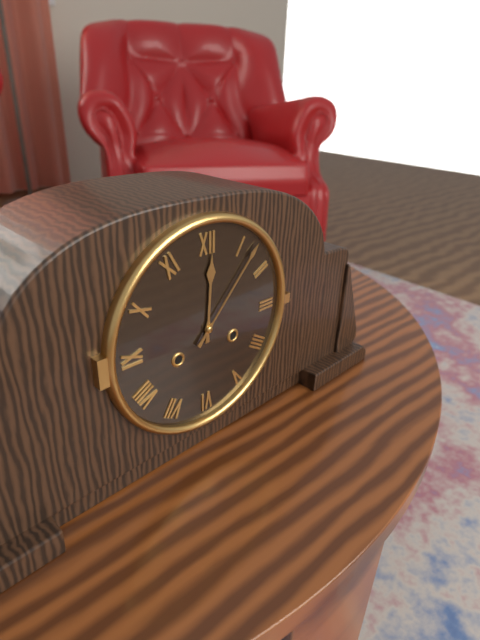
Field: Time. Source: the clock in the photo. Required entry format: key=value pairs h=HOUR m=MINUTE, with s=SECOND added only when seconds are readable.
h=12 m=7
